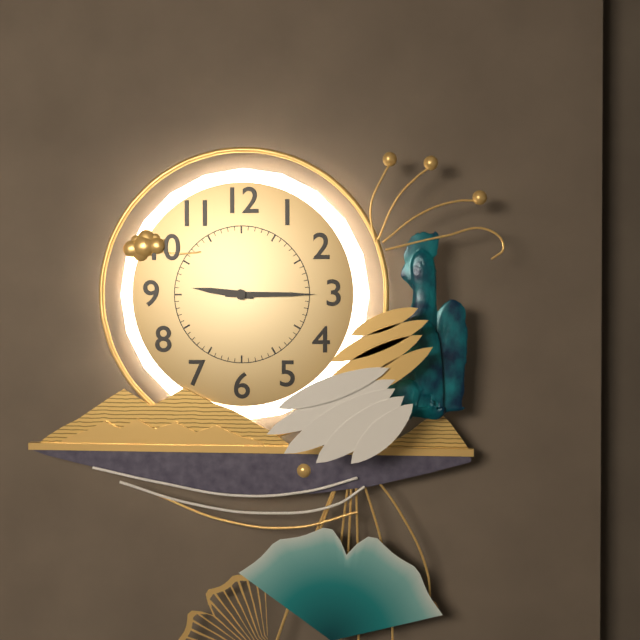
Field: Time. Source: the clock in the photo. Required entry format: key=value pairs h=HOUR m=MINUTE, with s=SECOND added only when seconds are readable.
h=9 m=15
